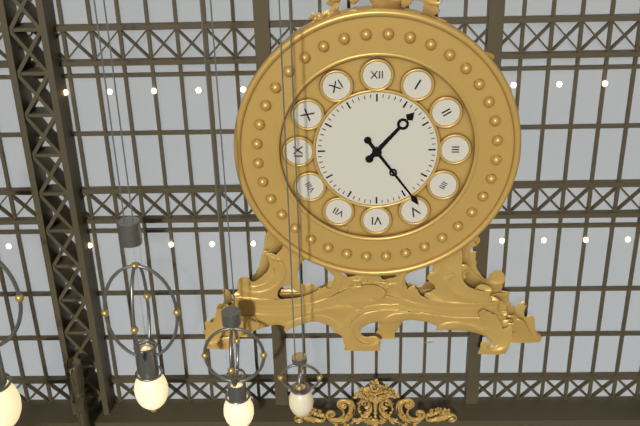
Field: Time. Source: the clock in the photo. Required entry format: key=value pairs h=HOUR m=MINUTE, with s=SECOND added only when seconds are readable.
h=1 m=24
